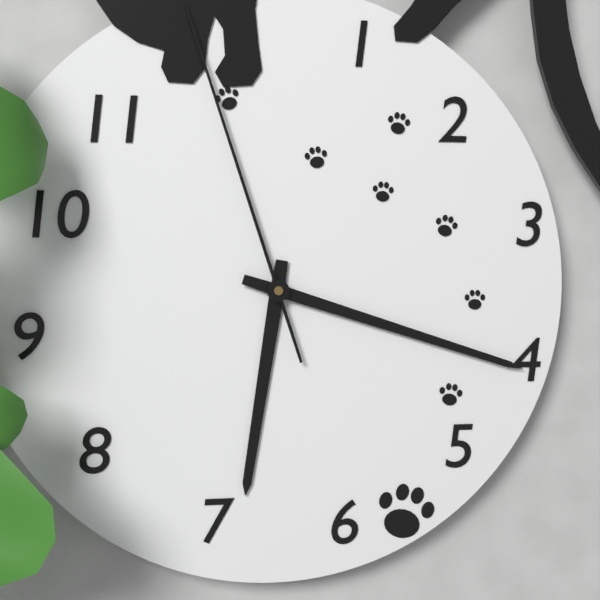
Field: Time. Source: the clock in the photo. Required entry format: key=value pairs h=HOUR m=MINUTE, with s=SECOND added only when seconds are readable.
h=6 m=18
